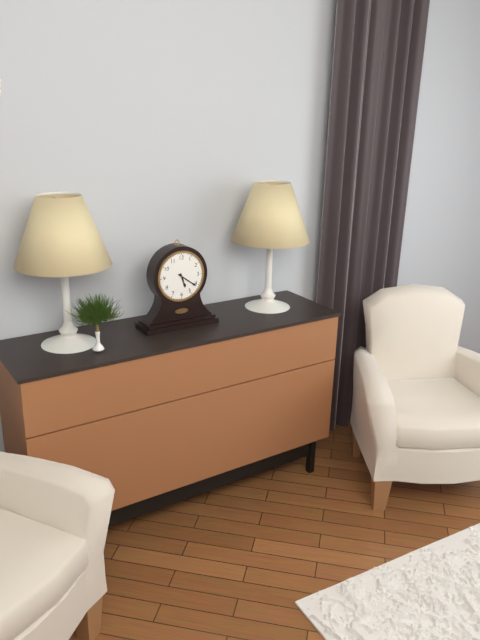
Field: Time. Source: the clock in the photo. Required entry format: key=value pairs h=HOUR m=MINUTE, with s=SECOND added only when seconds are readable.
h=5 m=21
